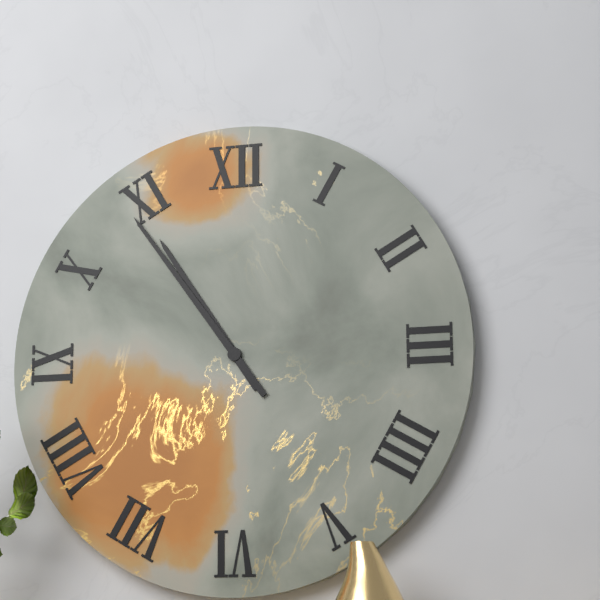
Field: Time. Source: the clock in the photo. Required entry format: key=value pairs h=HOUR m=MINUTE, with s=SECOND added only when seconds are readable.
h=10 m=54
